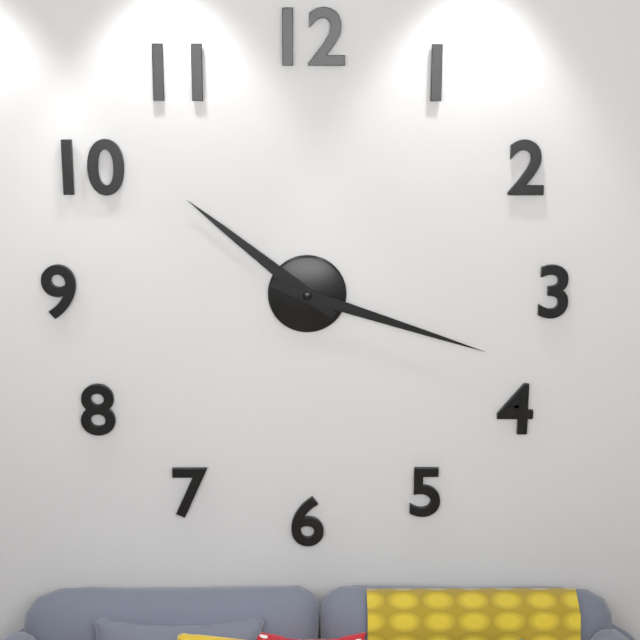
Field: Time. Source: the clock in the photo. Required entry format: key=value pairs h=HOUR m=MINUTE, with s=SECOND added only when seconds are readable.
h=10 m=18
